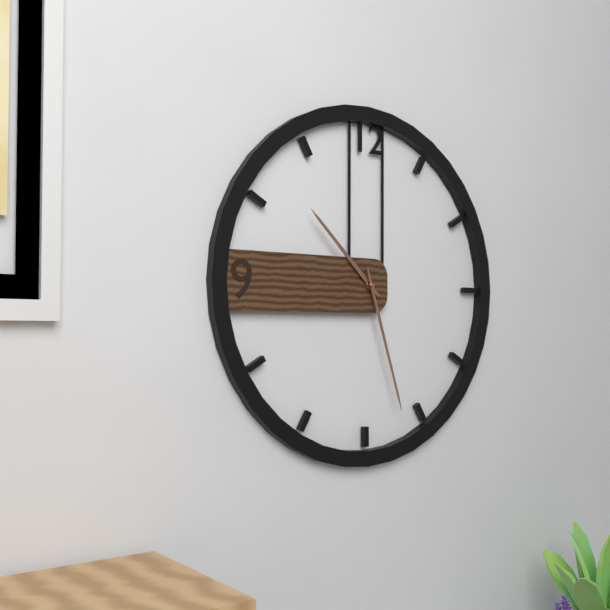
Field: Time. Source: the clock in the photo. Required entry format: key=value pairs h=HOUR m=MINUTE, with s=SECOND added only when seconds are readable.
h=10 m=27
